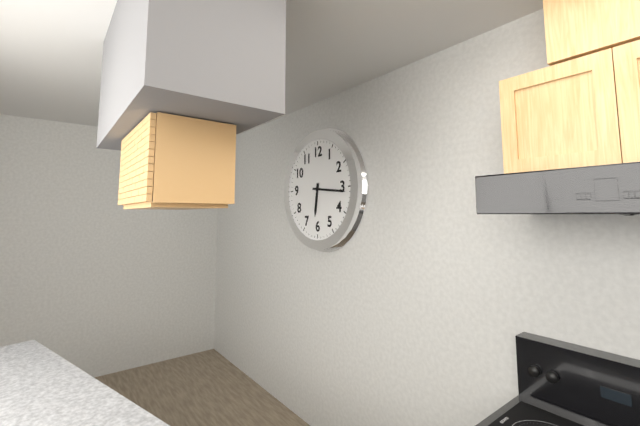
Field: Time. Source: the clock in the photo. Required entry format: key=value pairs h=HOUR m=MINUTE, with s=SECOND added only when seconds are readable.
h=6 m=16
